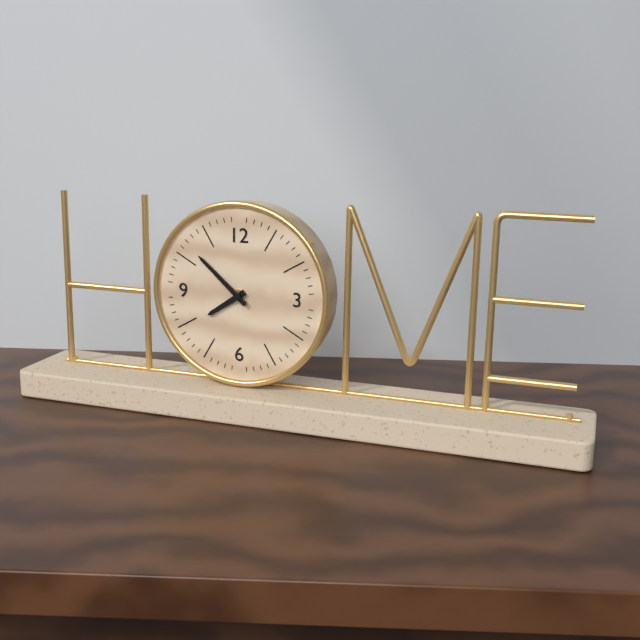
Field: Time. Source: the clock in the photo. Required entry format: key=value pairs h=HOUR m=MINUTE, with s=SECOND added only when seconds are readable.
h=7 m=52
